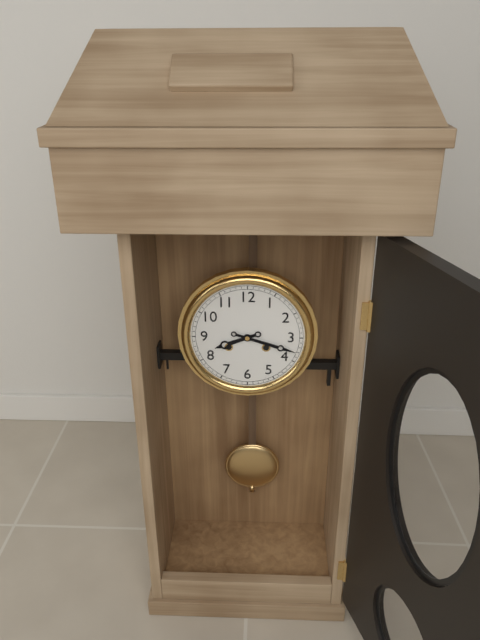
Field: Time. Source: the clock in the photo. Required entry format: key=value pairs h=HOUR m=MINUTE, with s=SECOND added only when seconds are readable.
h=8 m=18
